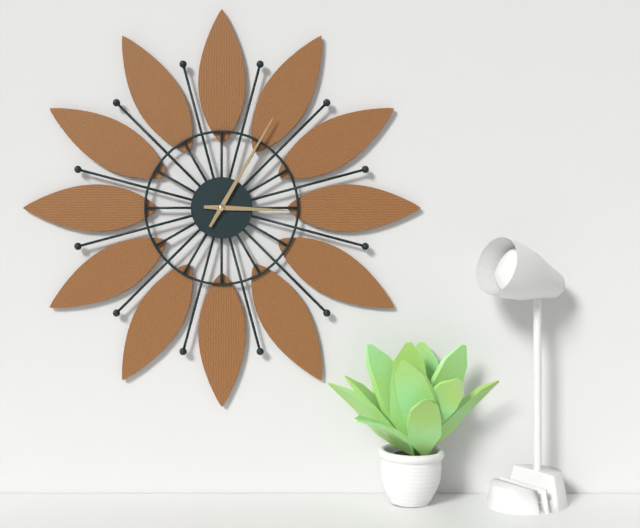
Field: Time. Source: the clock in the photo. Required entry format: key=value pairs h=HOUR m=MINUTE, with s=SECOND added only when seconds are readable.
h=3 m=5
